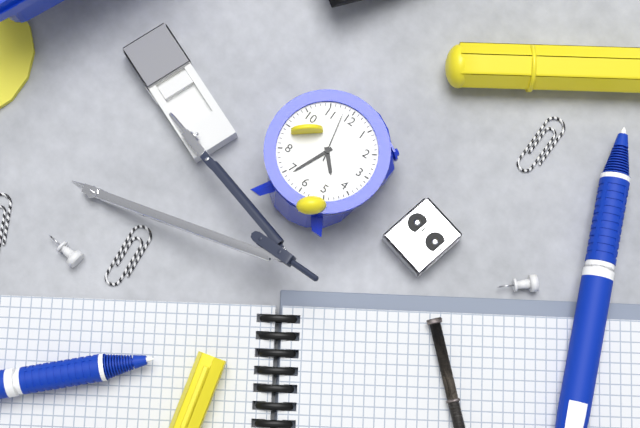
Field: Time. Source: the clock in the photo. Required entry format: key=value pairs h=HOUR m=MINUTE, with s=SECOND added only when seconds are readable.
h=4 m=34 s=58
